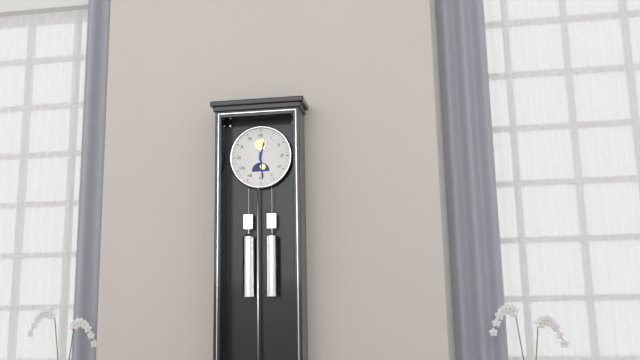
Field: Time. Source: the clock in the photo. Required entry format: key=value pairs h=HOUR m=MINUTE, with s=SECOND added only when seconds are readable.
h=12 m=29
